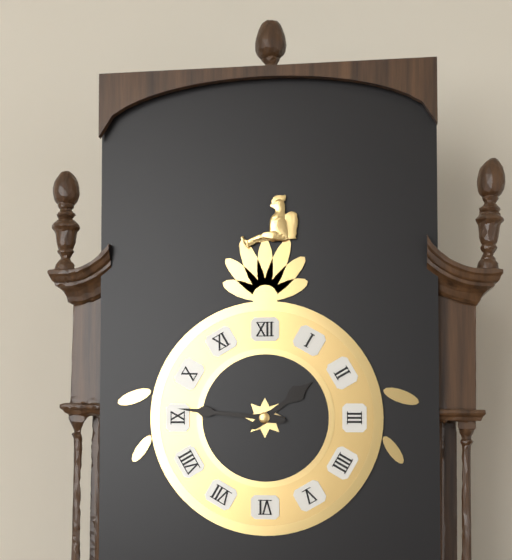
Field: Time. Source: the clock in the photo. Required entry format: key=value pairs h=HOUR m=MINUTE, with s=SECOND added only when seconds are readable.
h=1 m=46
